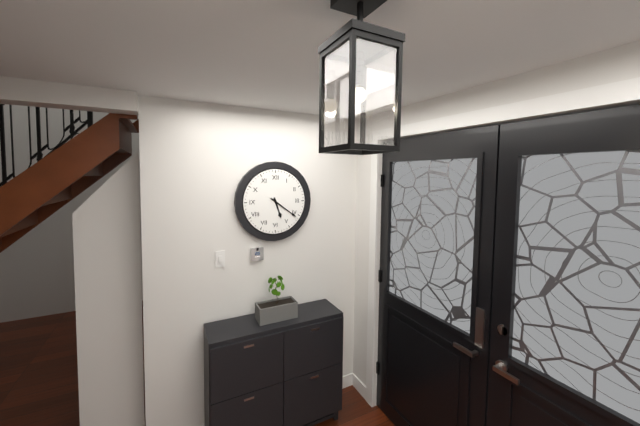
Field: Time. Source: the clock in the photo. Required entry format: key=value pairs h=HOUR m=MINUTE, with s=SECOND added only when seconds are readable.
h=5 m=21
